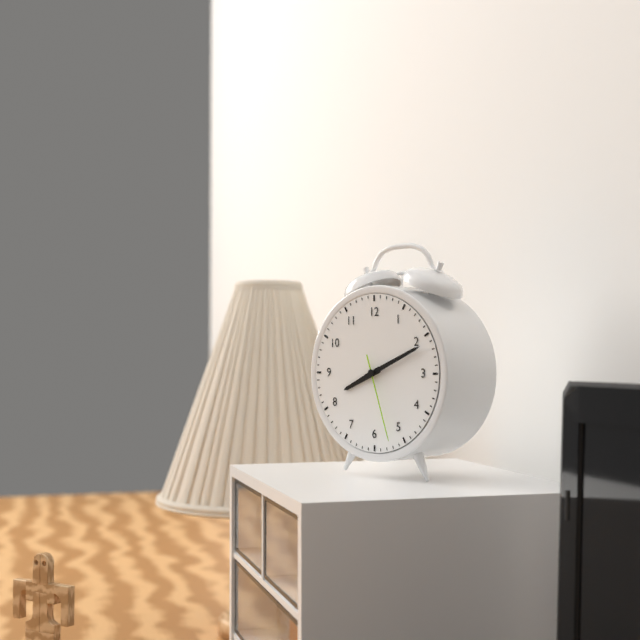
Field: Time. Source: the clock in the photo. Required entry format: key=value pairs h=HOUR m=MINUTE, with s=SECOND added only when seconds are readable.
h=8 m=11 s=27
